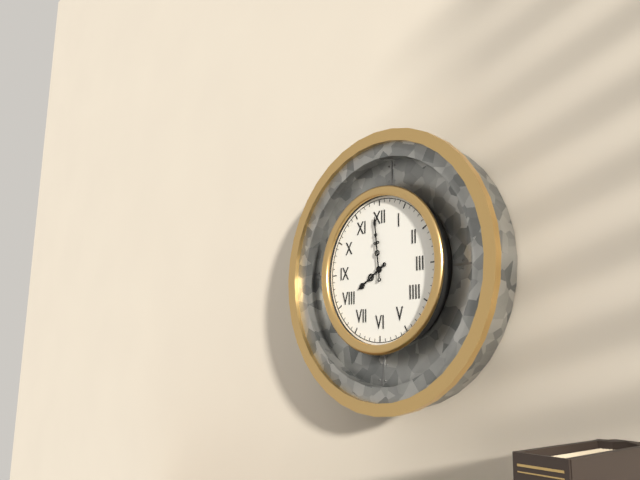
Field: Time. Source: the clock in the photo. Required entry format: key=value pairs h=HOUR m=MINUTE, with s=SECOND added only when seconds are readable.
h=7 m=59
